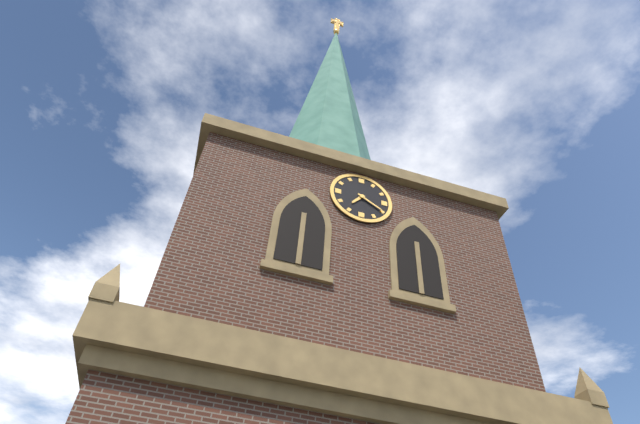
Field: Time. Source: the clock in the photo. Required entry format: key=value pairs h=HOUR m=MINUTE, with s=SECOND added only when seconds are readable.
h=7 m=20
